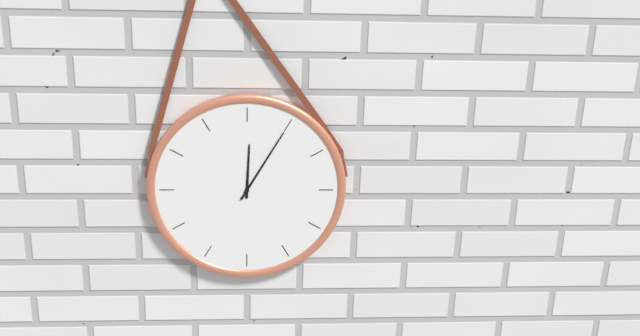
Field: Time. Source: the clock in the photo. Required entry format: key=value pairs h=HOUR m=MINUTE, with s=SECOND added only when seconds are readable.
h=12 m=5
